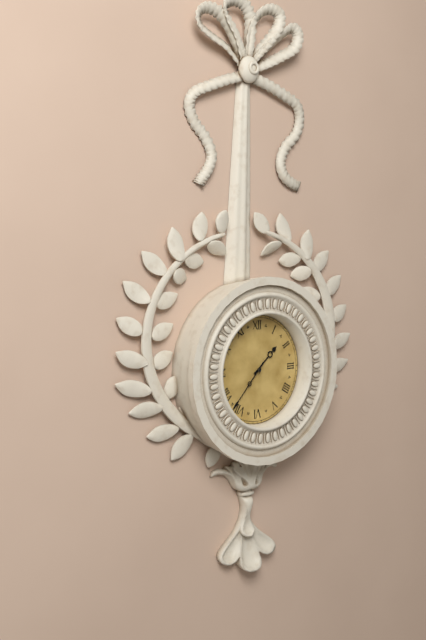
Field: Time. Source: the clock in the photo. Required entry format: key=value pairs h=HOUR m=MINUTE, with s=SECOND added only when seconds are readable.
h=1 m=37
